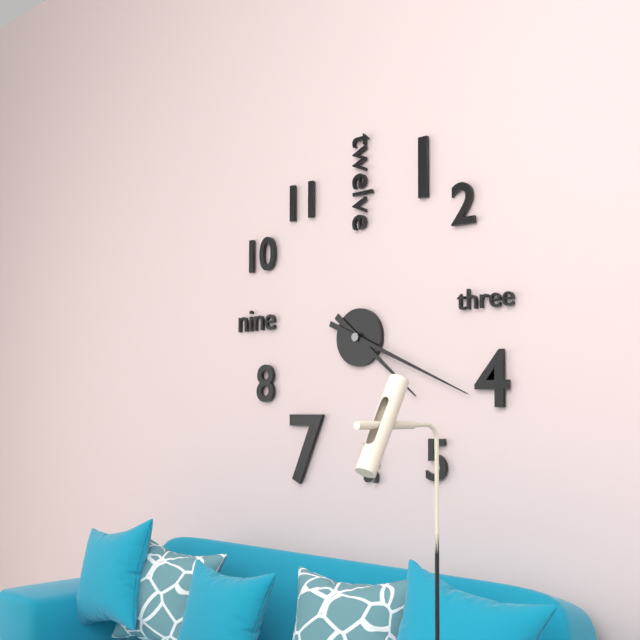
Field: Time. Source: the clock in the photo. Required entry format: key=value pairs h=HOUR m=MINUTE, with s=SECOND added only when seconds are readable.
h=4 m=19
